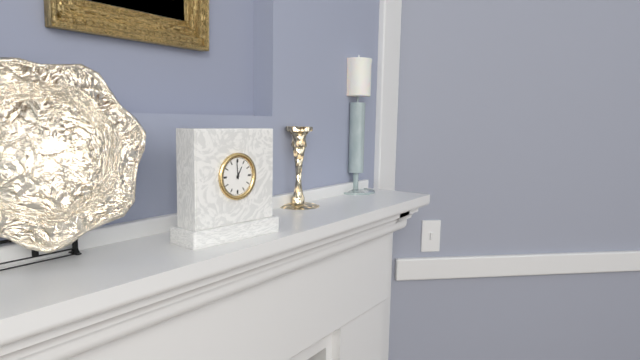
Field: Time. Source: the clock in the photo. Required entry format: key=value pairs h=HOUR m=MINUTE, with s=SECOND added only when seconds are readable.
h=12 m=59
